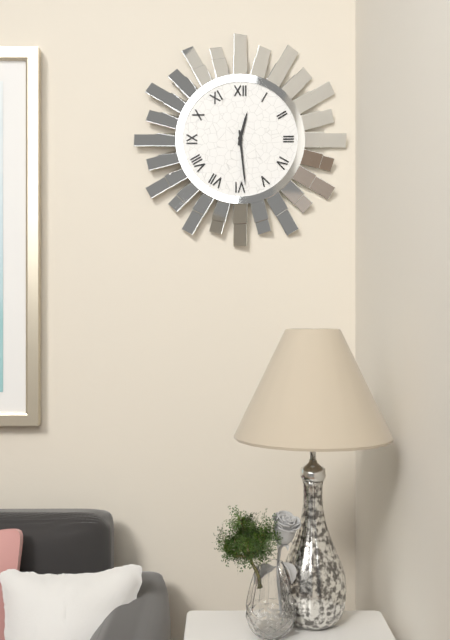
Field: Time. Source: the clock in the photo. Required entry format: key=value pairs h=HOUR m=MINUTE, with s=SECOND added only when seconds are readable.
h=12 m=29
